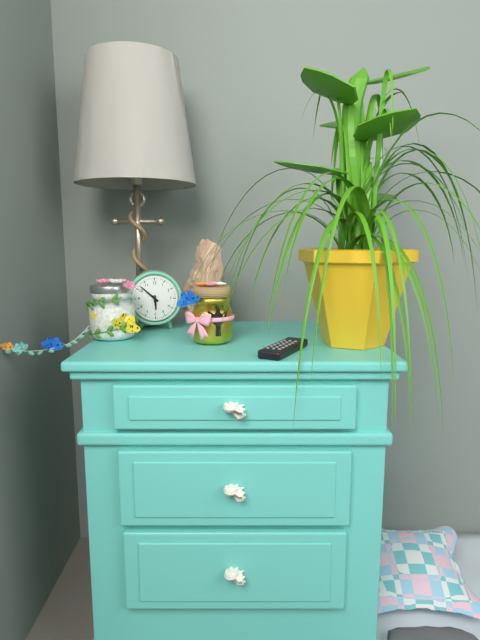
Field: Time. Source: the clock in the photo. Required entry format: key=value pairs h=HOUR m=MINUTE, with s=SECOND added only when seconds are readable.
h=5 m=52
